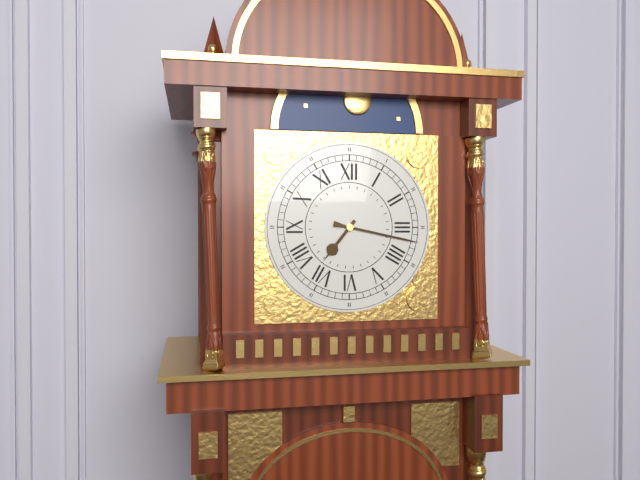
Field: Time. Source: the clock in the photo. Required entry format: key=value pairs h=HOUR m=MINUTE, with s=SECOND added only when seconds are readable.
h=7 m=17
